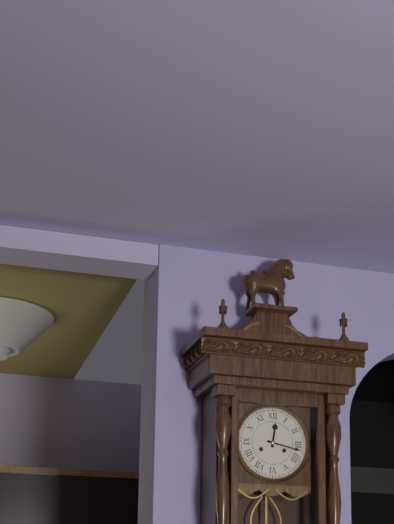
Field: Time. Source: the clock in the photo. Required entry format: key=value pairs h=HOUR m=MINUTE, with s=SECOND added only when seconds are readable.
h=12 m=17
